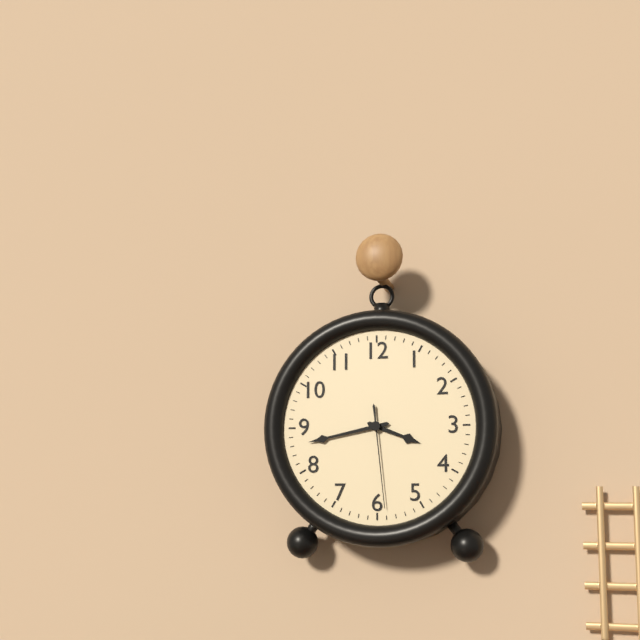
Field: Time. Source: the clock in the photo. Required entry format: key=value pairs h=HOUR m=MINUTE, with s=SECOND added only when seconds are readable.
h=3 m=43 s=29
